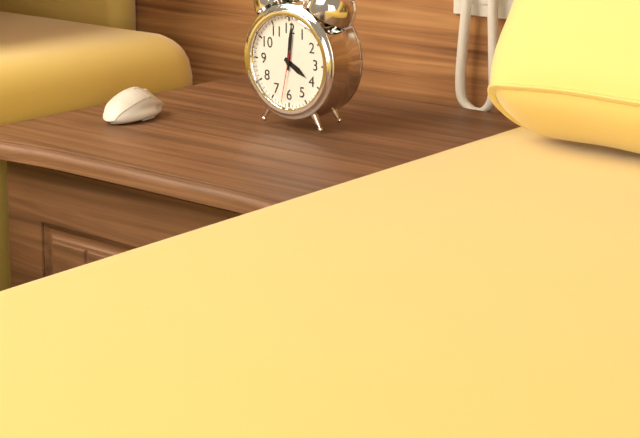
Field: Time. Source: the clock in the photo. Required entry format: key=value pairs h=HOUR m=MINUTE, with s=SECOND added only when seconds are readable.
h=4 m=1 s=32
